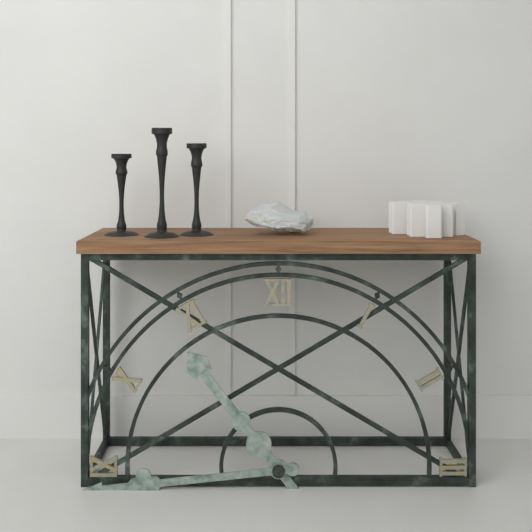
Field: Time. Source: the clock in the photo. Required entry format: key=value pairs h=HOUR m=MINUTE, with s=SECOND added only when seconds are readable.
h=10 m=44
